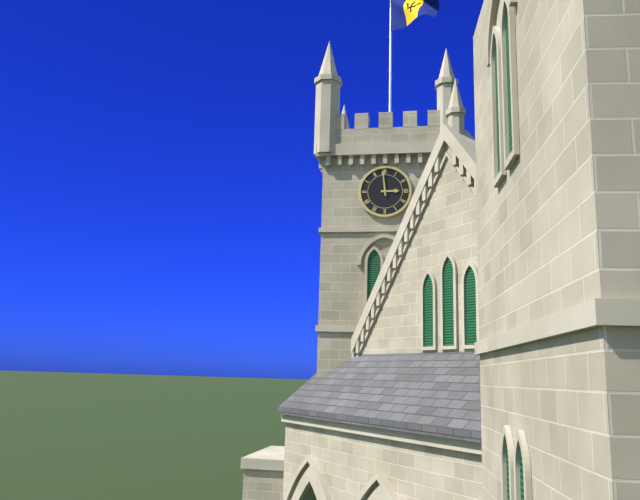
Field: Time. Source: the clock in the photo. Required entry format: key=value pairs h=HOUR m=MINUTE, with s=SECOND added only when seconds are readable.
h=2 m=59
